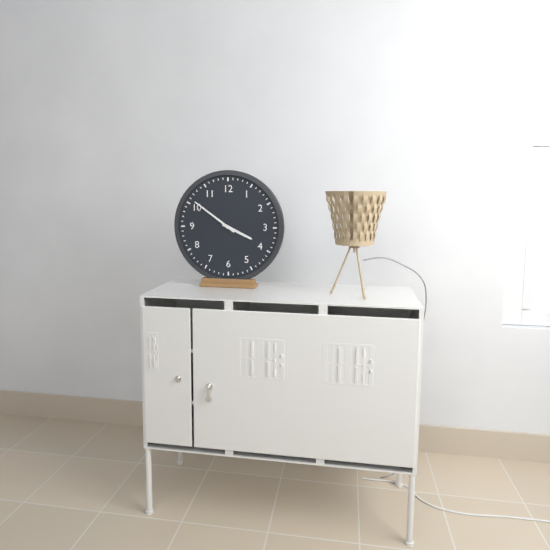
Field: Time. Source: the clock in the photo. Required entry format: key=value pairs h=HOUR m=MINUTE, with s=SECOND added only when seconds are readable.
h=3 m=51
